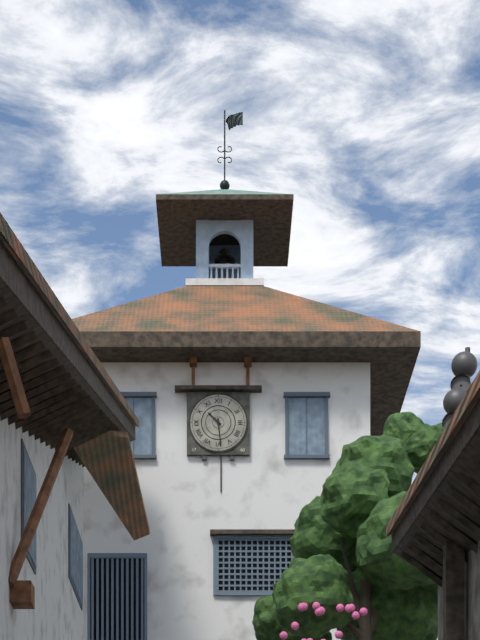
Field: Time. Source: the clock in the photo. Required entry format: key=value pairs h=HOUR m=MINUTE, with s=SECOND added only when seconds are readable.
h=10 m=29
